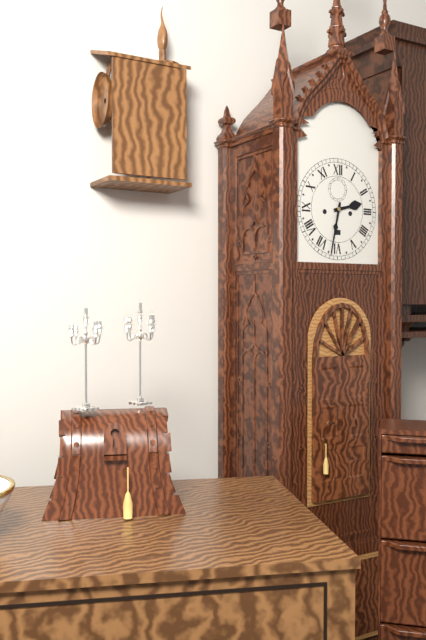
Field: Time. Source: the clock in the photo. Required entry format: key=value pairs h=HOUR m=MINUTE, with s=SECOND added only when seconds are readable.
h=2 m=32
